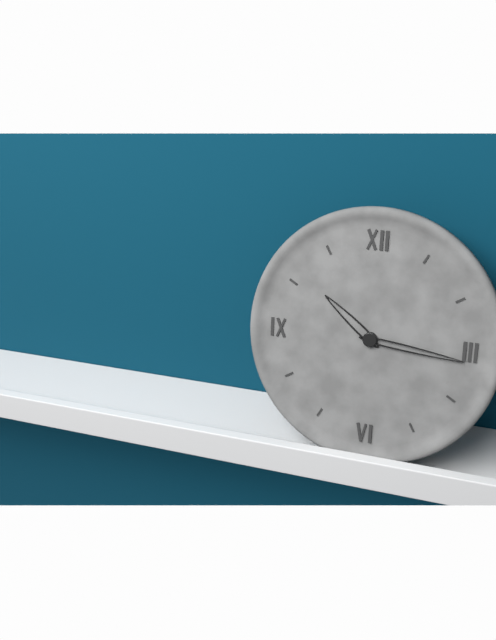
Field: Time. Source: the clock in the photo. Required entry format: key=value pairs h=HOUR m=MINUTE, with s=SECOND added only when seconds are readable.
h=10 m=16
